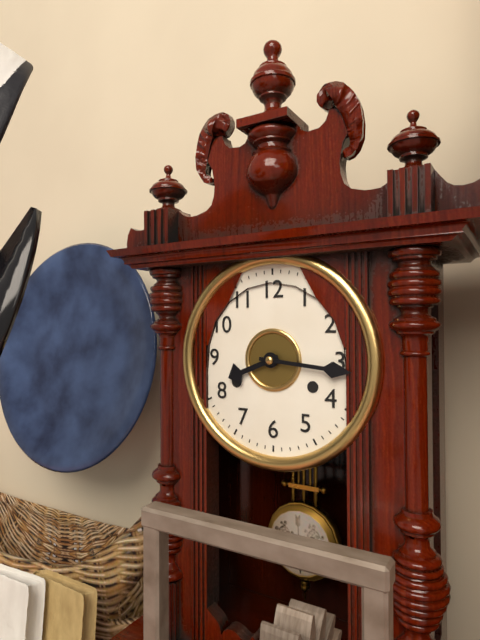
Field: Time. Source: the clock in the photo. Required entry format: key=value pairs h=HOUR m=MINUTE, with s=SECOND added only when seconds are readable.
h=8 m=16
